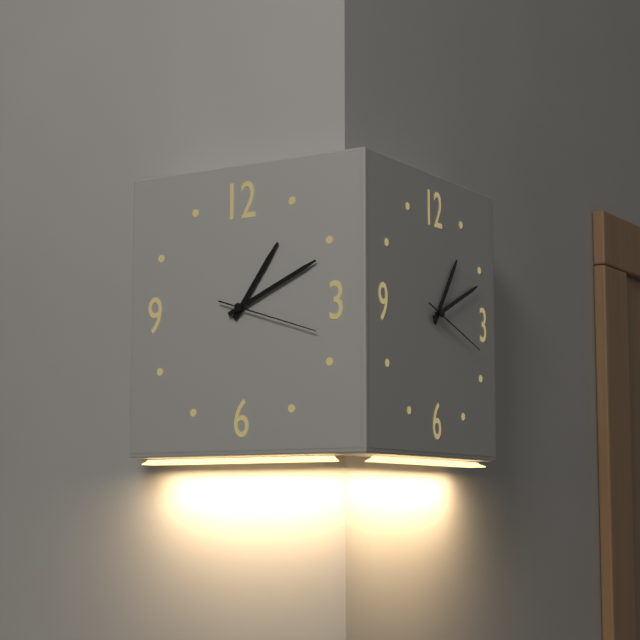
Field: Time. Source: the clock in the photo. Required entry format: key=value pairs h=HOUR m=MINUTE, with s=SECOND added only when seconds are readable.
h=1 m=11 s=18
